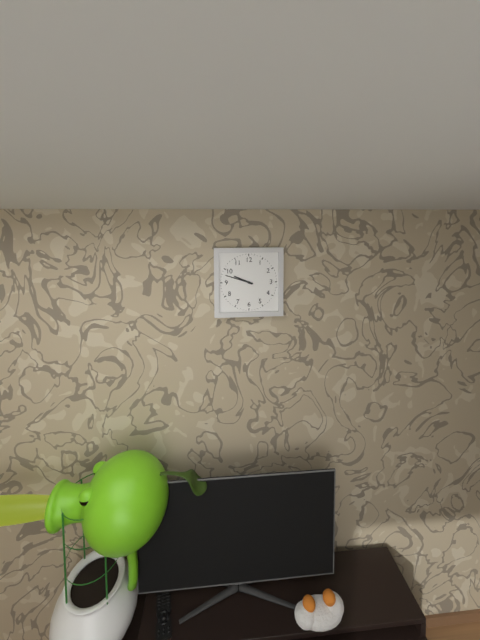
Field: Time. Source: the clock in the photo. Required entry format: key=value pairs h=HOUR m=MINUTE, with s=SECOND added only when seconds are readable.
h=9 m=48
